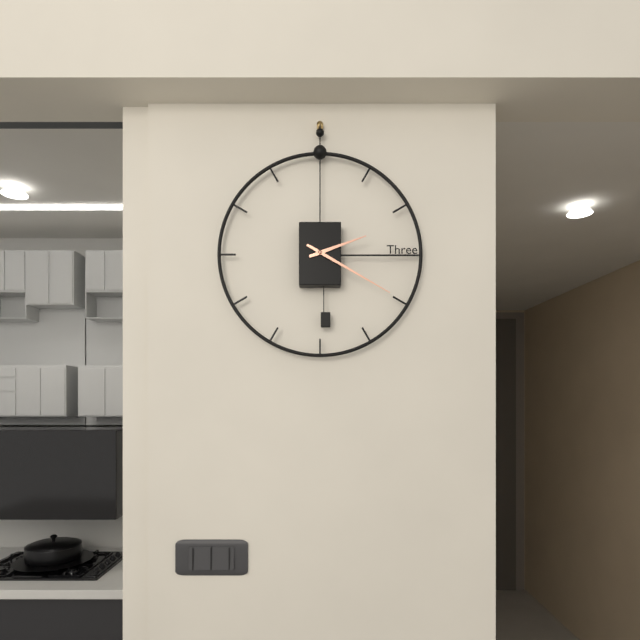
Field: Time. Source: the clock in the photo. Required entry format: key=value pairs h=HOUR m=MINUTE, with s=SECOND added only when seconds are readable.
h=2 m=20
